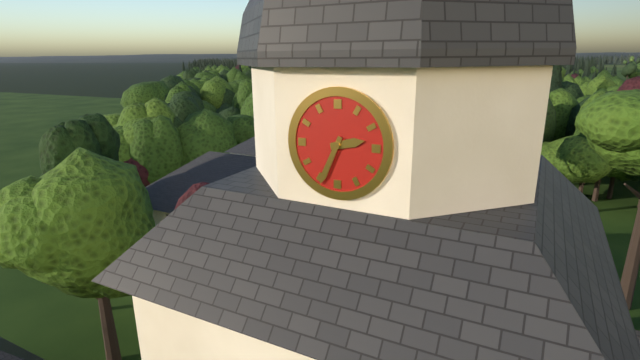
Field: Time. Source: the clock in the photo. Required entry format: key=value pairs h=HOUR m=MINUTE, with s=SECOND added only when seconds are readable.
h=2 m=34
